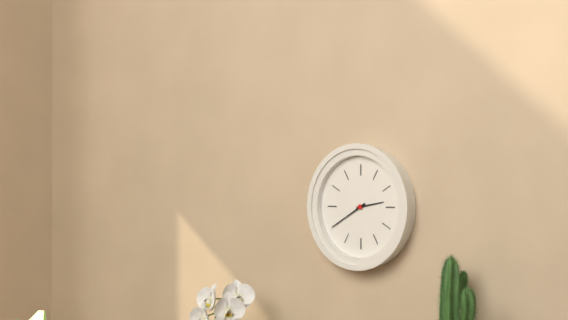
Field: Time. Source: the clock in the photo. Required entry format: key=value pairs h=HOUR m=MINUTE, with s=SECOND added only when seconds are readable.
h=2 m=40
